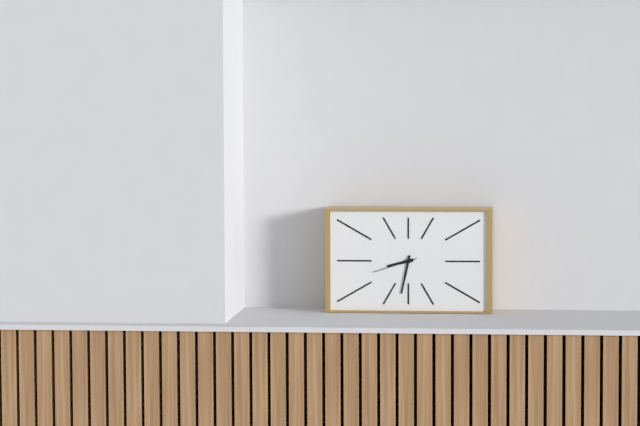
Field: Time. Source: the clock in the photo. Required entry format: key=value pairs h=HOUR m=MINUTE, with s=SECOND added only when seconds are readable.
h=8 m=32
